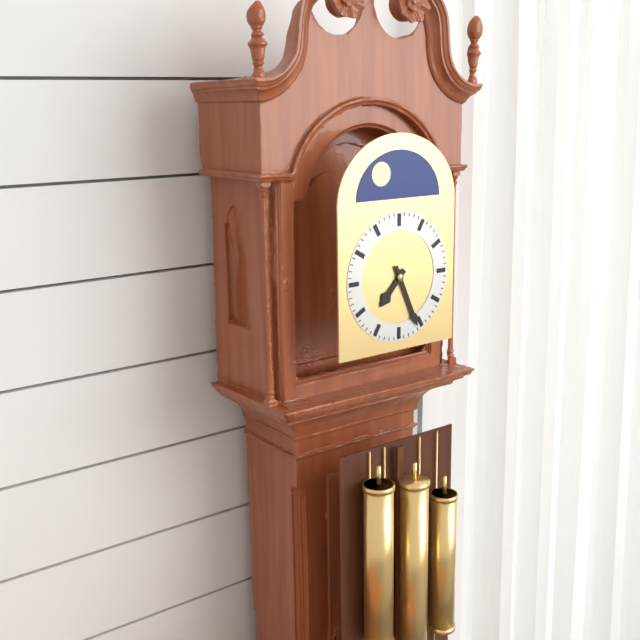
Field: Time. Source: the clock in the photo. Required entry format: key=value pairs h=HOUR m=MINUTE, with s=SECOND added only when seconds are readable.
h=7 m=26
